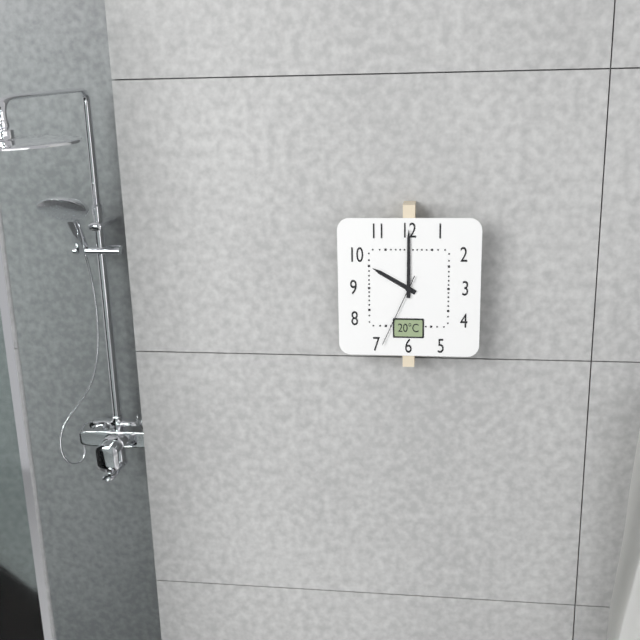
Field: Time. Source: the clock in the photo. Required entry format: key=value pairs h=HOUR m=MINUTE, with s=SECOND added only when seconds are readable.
h=10 m=0 s=34
